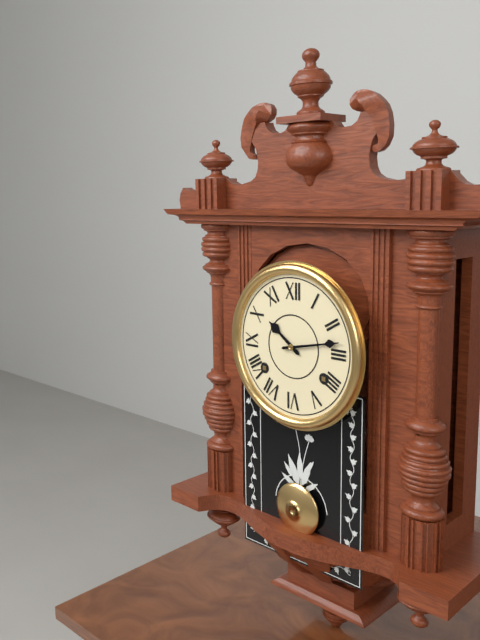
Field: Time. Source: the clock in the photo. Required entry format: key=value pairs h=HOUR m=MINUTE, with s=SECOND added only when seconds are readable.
h=10 m=13
